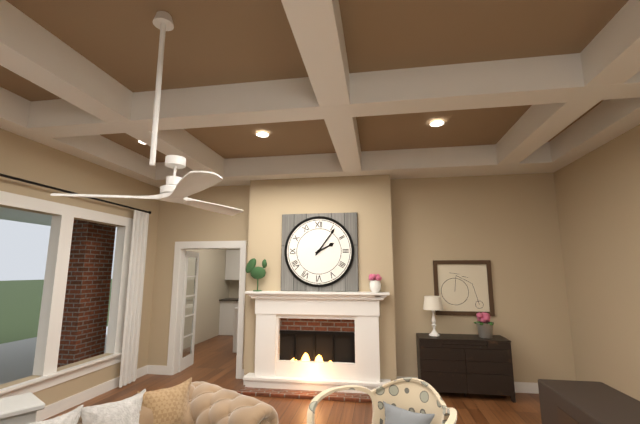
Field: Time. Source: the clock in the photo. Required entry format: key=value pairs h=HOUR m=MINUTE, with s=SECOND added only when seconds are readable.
h=2 m=6
